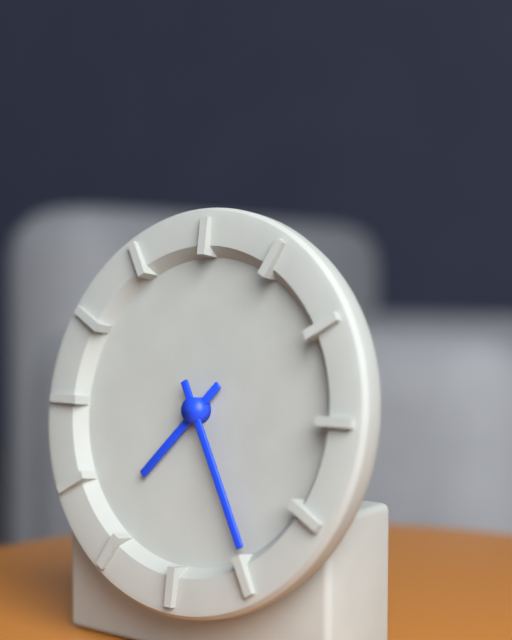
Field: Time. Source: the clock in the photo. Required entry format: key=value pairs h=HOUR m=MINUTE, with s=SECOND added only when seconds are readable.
h=7 m=25
